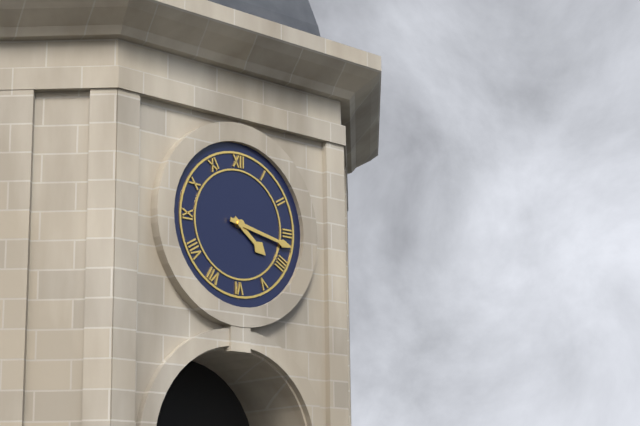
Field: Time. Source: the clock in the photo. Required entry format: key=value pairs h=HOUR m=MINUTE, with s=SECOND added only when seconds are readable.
h=4 m=17
